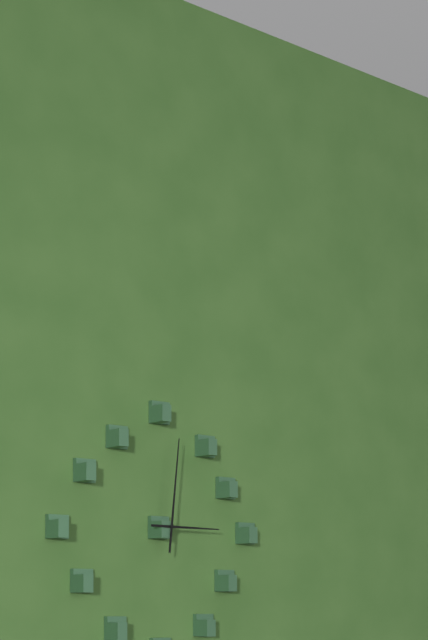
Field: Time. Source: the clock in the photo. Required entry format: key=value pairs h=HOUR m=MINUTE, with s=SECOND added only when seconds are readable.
h=3 m=1
